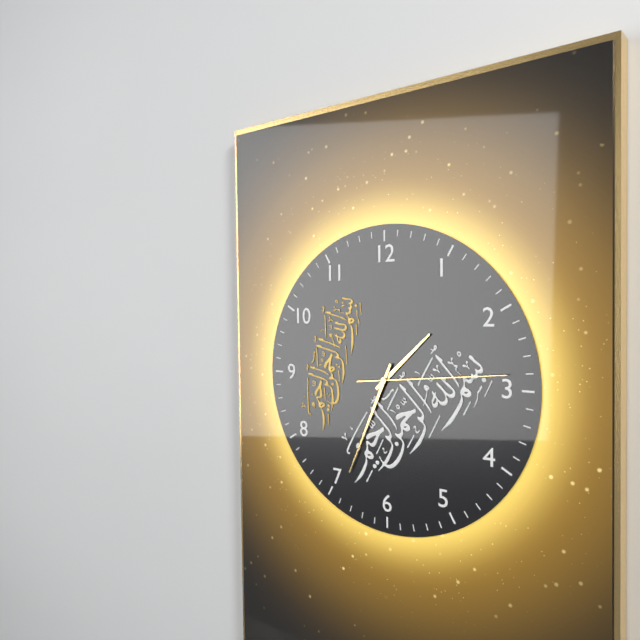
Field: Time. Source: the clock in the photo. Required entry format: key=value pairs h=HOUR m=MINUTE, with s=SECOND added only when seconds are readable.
h=1 m=34 s=14
